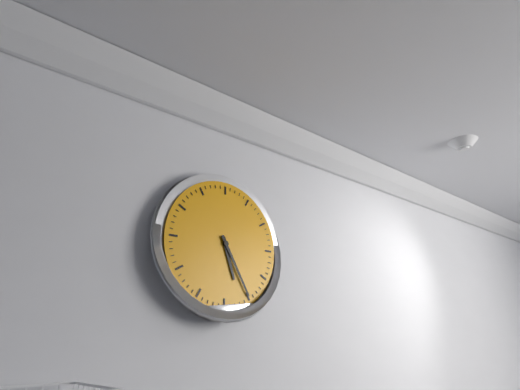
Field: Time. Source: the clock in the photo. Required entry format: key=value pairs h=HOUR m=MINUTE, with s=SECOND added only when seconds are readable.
h=5 m=25
